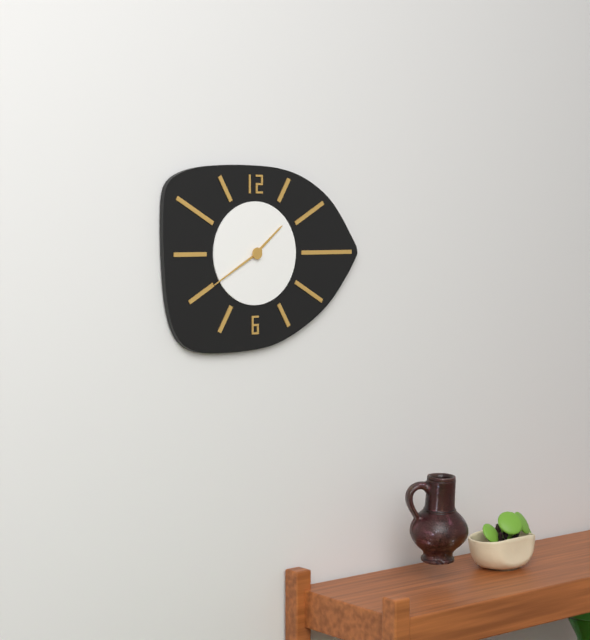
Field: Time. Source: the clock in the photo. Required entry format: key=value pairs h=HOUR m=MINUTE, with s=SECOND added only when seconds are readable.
h=1 m=40
